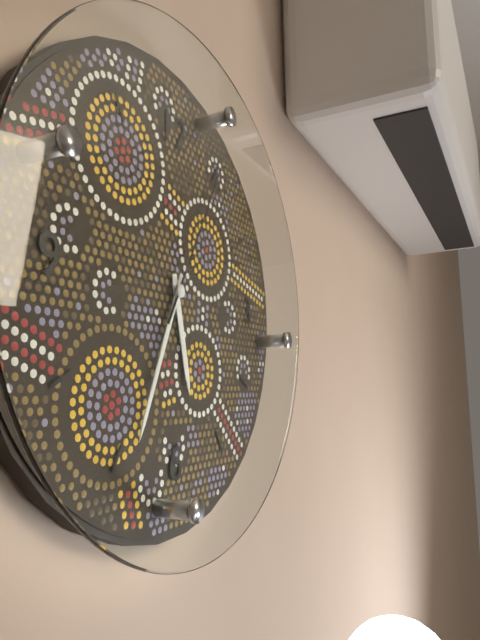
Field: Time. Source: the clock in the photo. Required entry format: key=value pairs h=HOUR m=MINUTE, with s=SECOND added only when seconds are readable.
h=5 m=34 s=5
